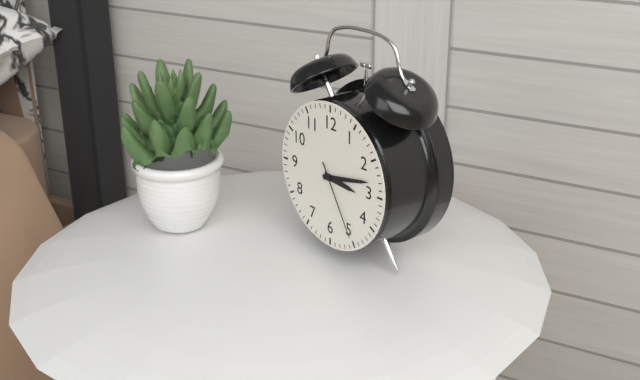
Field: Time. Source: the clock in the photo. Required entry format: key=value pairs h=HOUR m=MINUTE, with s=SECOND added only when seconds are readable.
h=3 m=13 s=25
